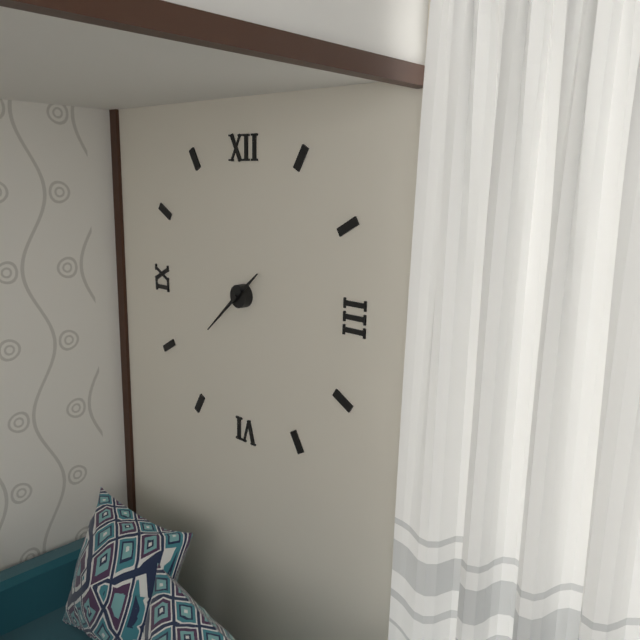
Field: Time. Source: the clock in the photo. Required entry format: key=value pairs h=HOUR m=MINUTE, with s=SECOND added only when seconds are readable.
h=1 m=38
